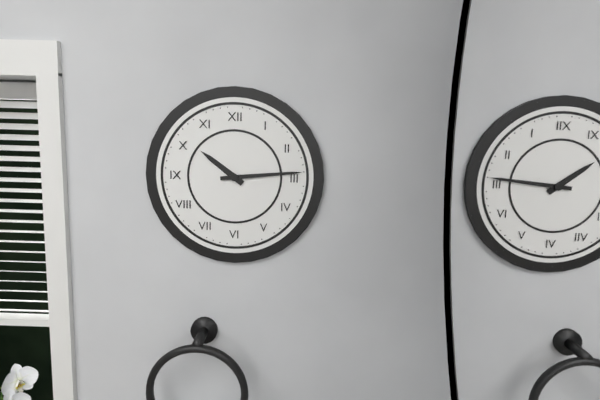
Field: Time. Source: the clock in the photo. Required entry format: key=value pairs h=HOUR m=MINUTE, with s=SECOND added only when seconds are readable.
h=10 m=14
